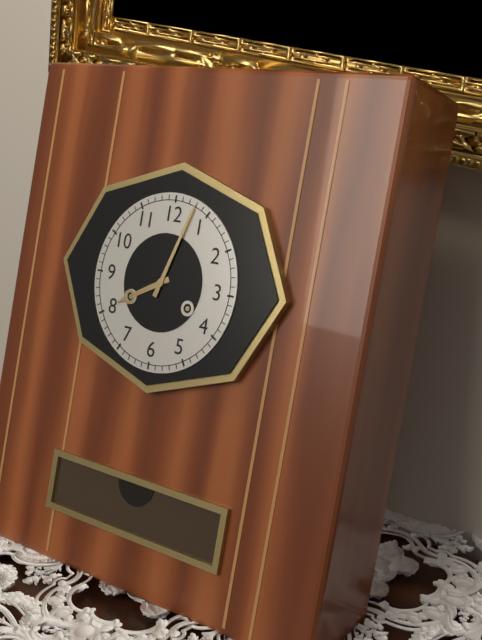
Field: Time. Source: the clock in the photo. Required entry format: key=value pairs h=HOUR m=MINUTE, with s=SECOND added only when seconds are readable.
h=8 m=3
